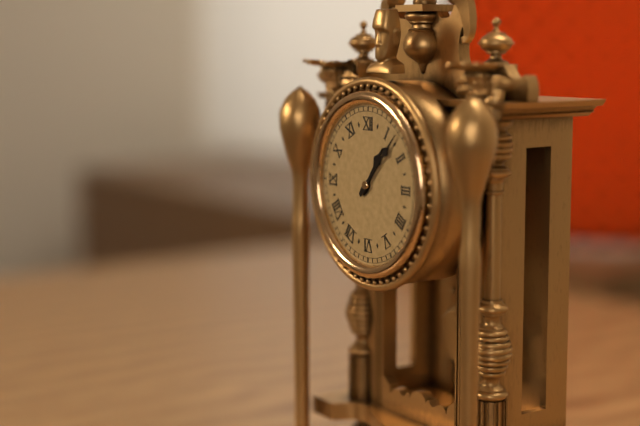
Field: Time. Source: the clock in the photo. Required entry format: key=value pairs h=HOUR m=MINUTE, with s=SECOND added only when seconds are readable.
h=1 m=7
